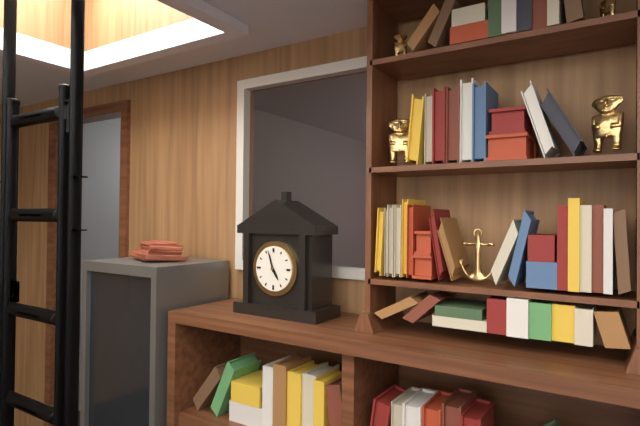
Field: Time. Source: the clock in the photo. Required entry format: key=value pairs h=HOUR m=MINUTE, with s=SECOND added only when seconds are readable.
h=4 m=57
